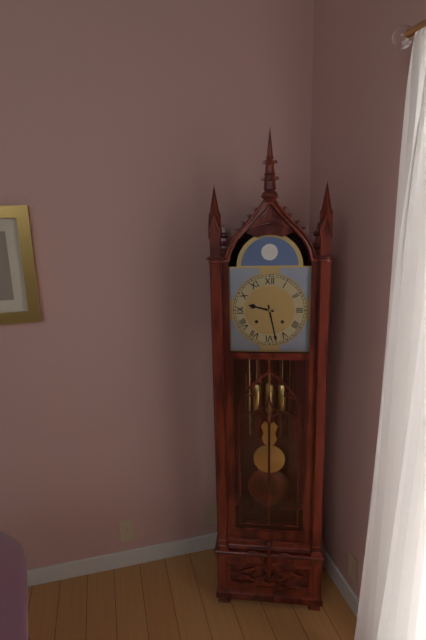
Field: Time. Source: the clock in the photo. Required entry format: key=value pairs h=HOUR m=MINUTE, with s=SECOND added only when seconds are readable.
h=9 m=28
